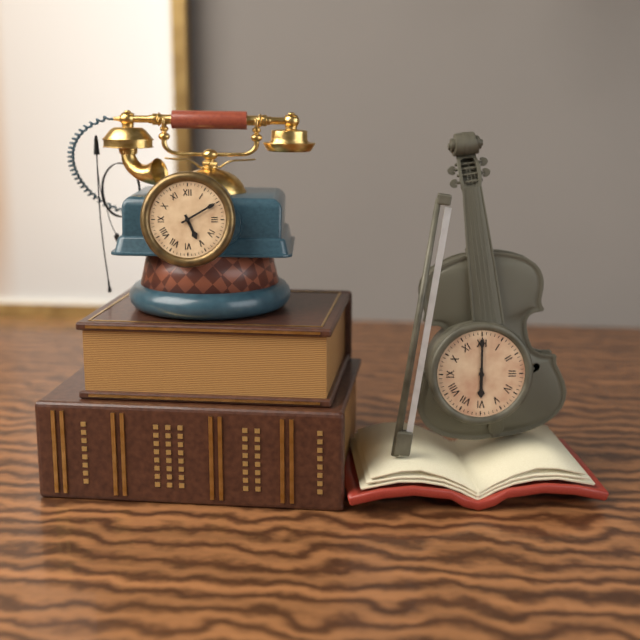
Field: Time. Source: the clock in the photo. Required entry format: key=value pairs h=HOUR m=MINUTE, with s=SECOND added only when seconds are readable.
h=5 m=10
